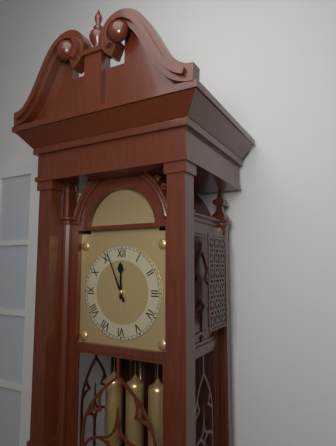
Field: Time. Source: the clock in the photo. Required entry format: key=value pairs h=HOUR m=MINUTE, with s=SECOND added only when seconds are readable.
h=11 m=56
